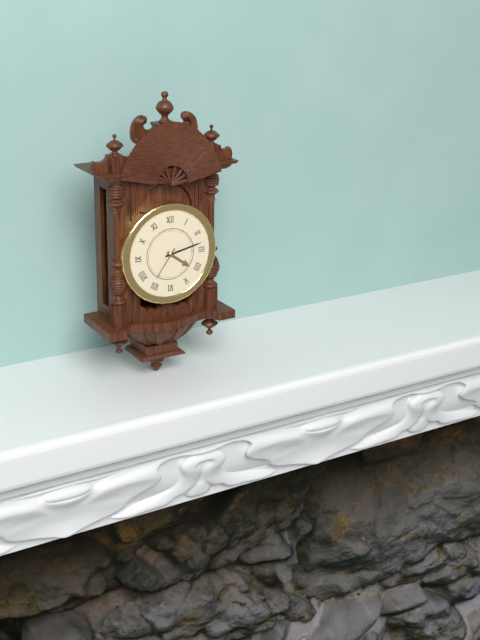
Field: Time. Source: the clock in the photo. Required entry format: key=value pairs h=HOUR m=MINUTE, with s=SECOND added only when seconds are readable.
h=4 m=13
